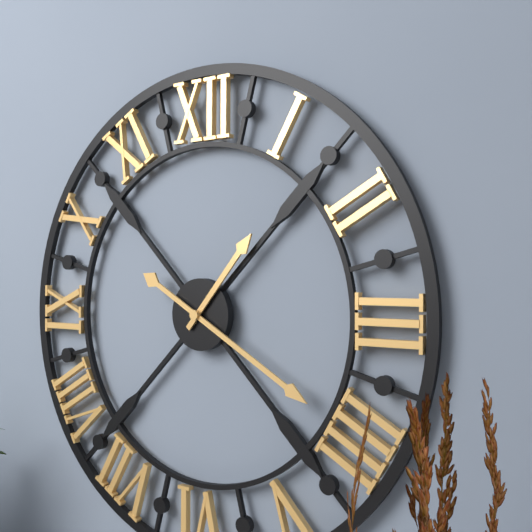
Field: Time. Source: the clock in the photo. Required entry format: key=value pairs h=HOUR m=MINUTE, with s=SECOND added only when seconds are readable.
h=1 m=20
